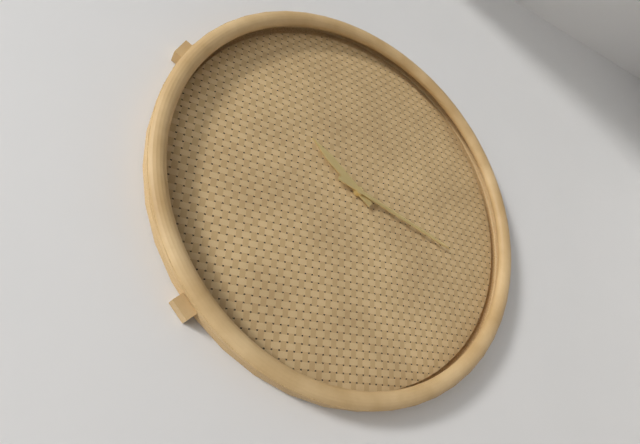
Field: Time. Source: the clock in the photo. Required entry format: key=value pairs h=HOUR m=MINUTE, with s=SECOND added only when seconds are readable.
h=10 m=18
